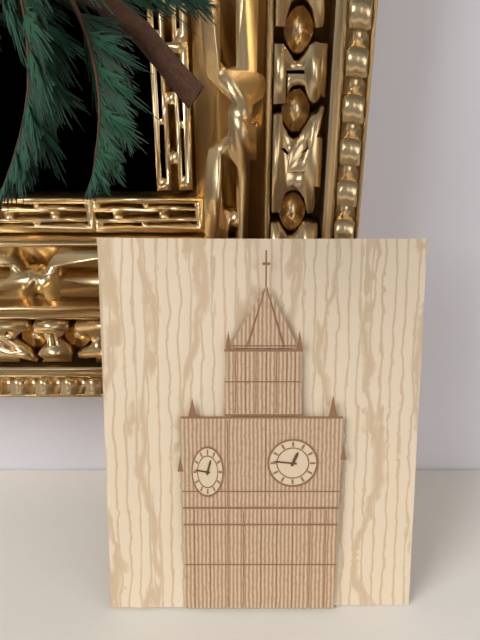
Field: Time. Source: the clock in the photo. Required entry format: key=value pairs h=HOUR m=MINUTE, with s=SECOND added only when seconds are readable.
h=12 m=46
